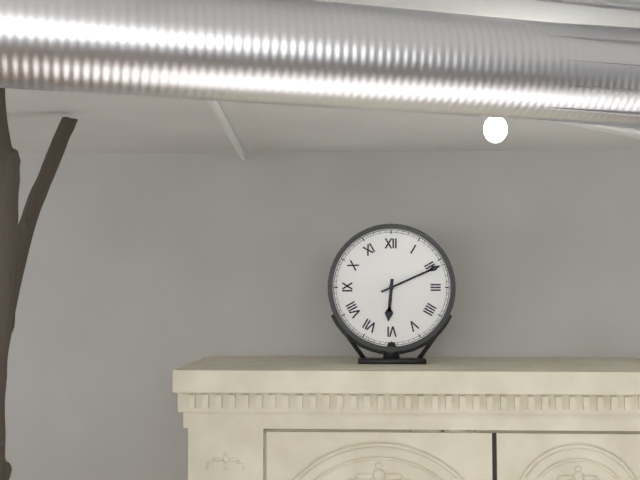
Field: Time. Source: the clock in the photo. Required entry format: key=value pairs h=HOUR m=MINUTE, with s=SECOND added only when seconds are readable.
h=6 m=11
